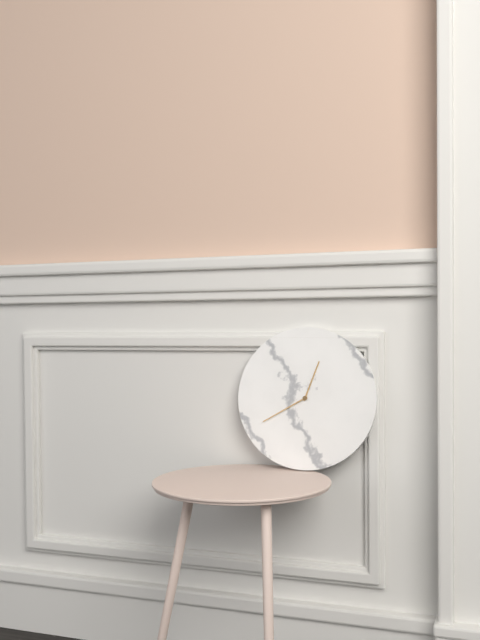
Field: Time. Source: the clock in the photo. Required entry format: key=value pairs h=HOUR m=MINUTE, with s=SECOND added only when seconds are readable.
h=12 m=40
